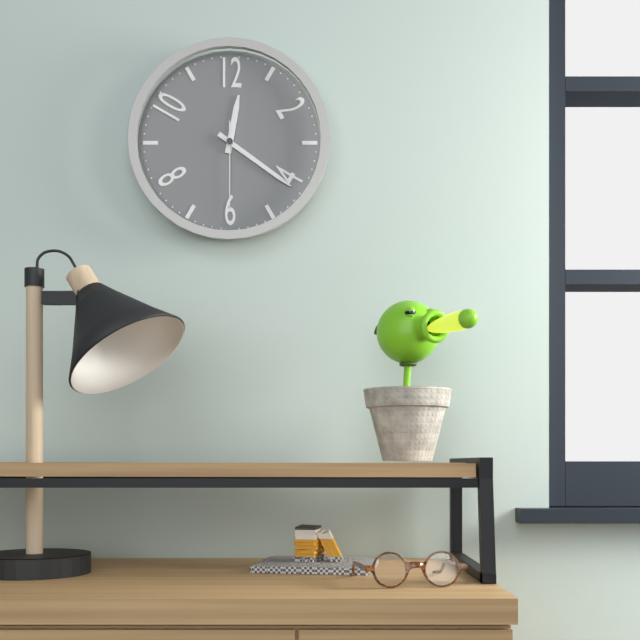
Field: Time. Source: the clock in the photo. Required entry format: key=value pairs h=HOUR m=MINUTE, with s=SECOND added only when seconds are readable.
h=12 m=21 s=30
